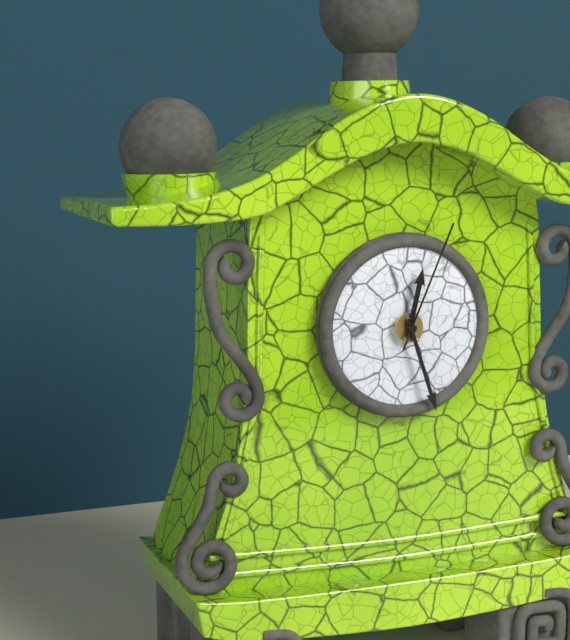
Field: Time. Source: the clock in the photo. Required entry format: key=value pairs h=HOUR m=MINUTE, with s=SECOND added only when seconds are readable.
h=12 m=27 s=4
